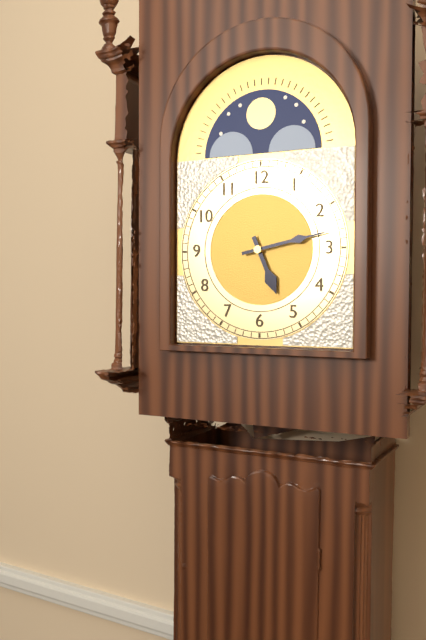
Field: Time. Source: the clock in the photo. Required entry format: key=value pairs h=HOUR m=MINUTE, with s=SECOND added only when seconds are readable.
h=5 m=13
